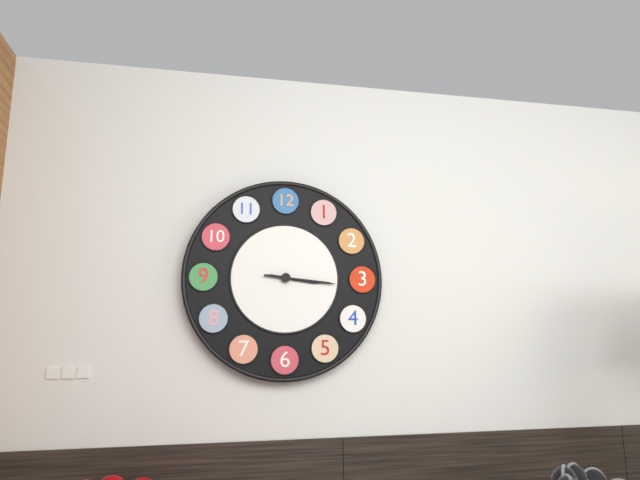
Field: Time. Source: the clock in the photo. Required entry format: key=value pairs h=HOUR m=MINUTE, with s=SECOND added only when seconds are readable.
h=3 m=16
